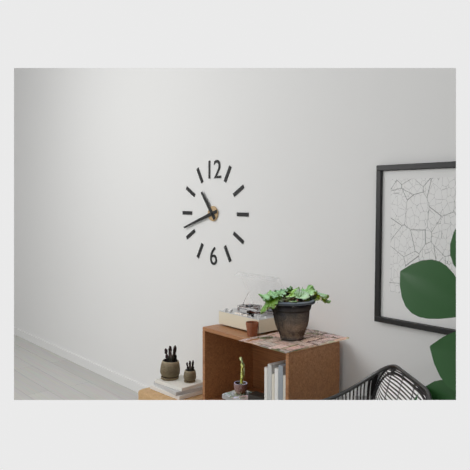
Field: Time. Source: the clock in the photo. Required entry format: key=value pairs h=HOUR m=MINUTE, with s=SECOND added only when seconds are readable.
h=10 m=42
